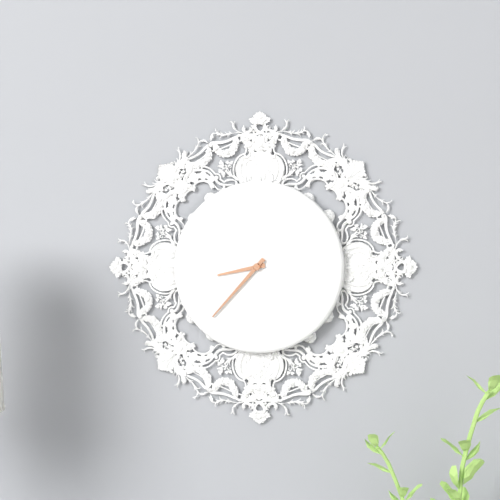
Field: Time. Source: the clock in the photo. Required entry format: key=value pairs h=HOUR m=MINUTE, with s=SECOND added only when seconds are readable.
h=8 m=37
